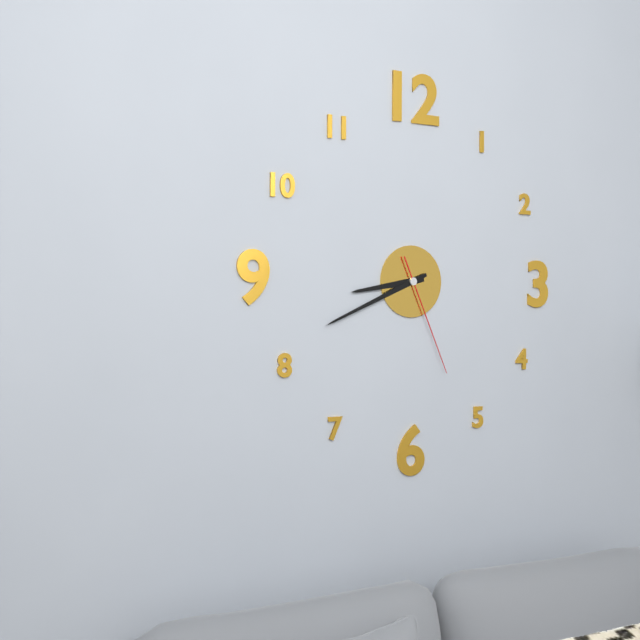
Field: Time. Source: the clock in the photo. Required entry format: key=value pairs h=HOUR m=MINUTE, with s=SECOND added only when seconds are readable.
h=8 m=41 s=26
